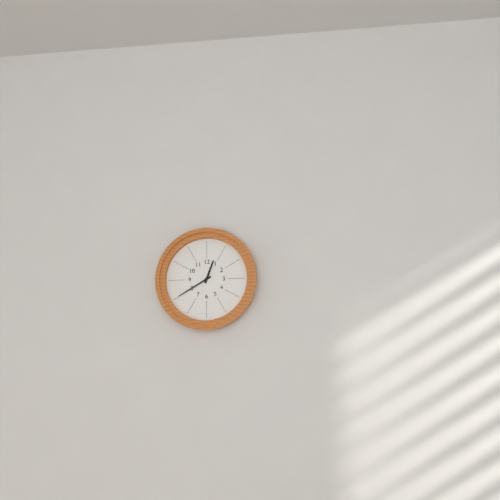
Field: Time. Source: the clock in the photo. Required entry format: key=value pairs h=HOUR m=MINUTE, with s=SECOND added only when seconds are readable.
h=12 m=40
